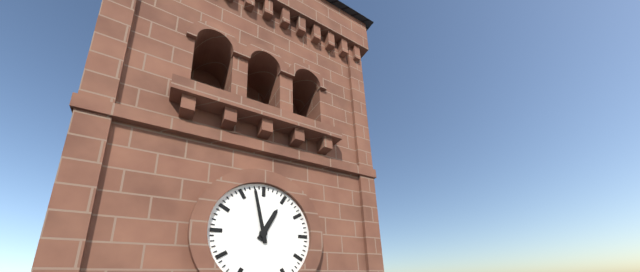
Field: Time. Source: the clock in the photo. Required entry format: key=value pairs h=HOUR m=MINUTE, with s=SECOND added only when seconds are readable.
h=12 m=58
